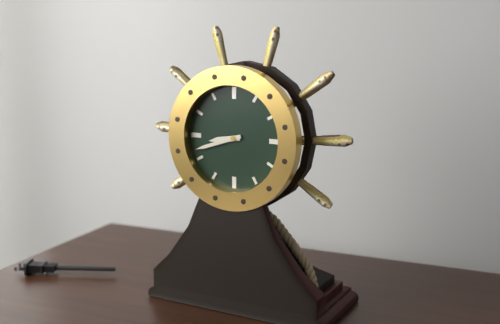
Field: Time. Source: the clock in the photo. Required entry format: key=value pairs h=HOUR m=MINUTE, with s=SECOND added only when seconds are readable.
h=8 m=42
